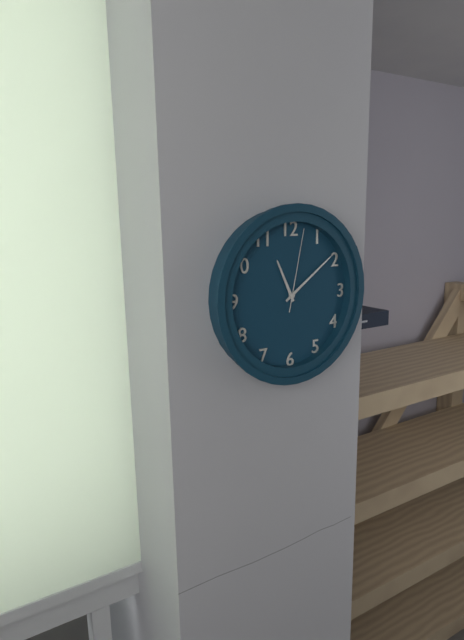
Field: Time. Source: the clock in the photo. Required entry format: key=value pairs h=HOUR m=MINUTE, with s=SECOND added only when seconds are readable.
h=11 m=9 s=2
